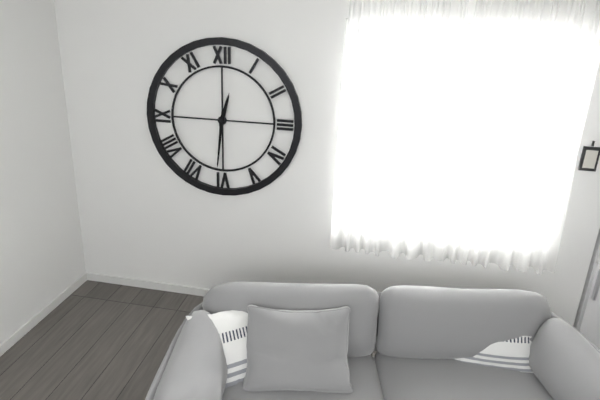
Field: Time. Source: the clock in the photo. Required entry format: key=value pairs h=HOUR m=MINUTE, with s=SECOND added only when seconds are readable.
h=12 m=31
